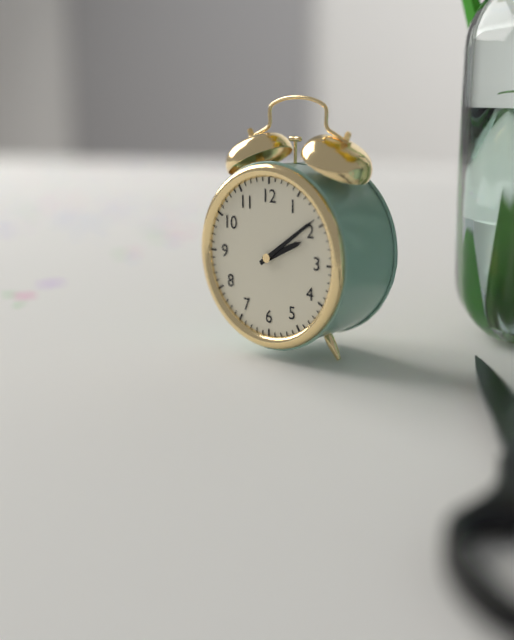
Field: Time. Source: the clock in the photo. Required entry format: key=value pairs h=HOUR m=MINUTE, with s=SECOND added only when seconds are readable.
h=2 m=9
